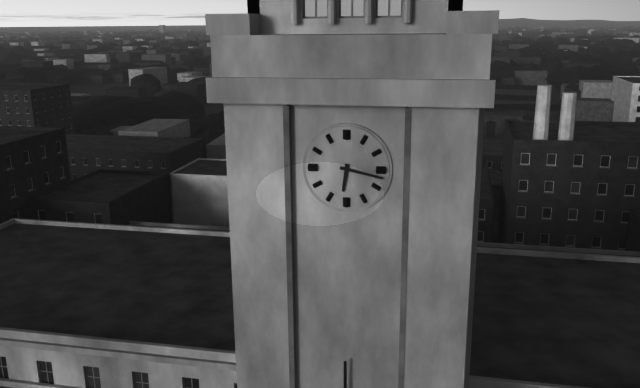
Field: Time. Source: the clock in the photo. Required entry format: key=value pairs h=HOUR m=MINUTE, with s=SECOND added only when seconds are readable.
h=6 m=17
